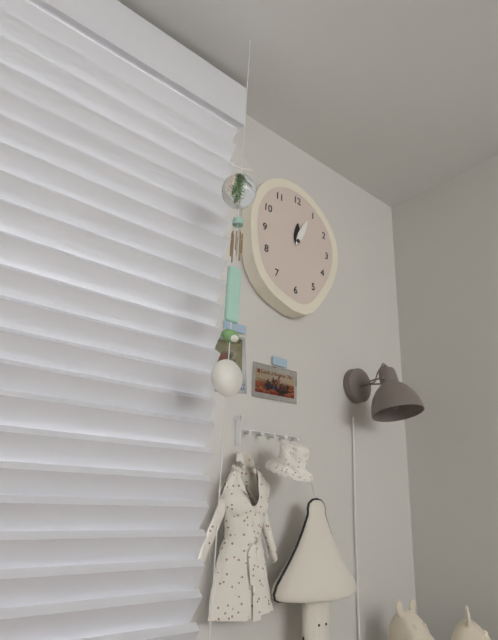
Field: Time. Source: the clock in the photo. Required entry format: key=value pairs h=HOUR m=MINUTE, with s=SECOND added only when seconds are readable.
h=12 m=4
